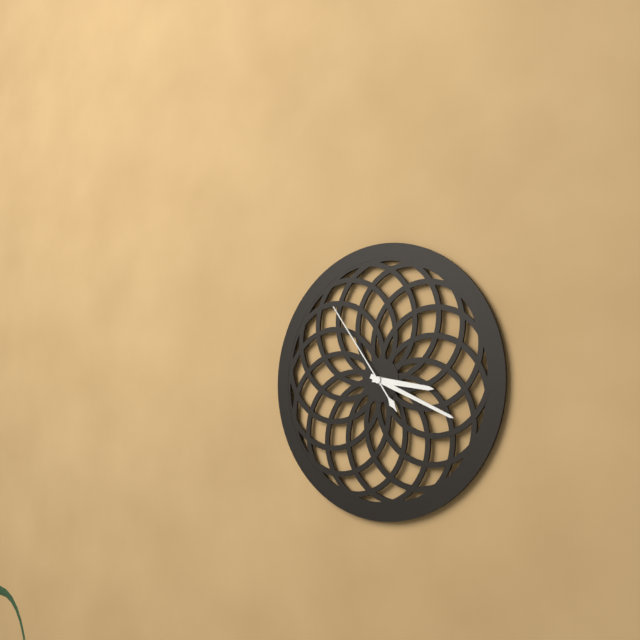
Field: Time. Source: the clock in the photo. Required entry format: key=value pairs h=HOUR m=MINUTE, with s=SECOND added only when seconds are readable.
h=3 m=19 s=54
